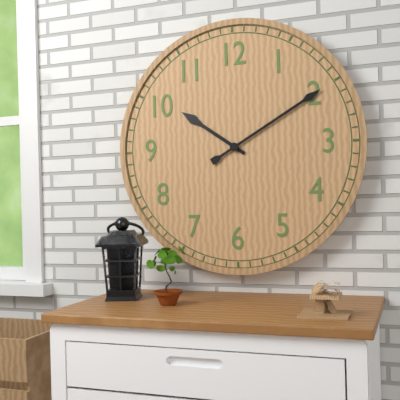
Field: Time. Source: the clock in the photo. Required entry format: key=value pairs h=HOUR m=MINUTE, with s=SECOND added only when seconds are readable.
h=10 m=10
